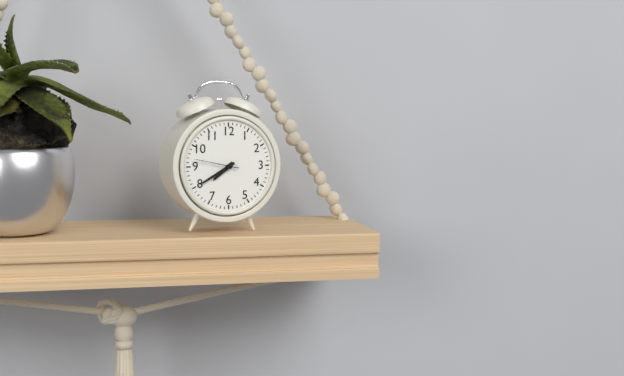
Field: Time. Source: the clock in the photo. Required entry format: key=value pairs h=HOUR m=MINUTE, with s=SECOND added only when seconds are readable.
h=7 m=40
